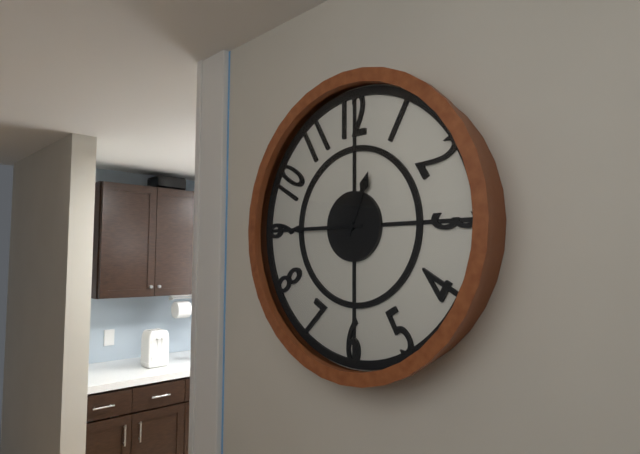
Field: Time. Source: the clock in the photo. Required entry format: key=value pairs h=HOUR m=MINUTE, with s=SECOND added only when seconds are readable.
h=12 m=45
